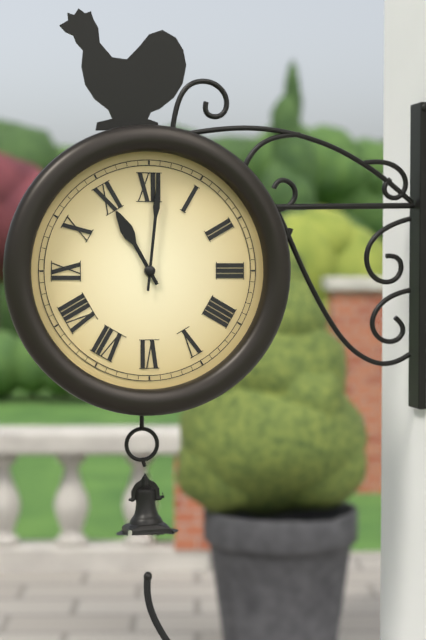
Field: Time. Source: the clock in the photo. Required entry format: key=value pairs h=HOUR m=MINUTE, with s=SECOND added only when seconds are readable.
h=11 m=1
